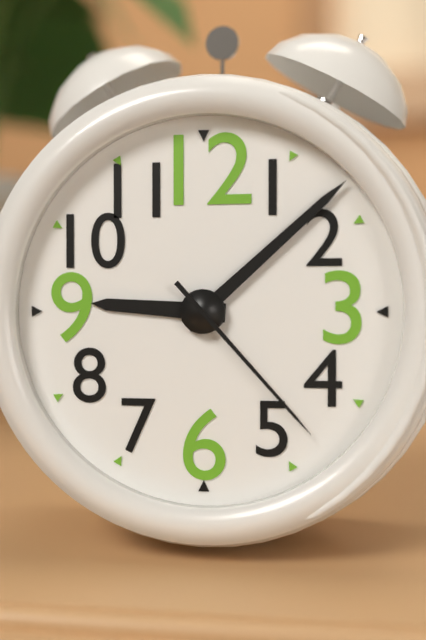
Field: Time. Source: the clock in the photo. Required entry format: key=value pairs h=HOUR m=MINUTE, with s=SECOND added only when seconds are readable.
h=9 m=8 s=23
